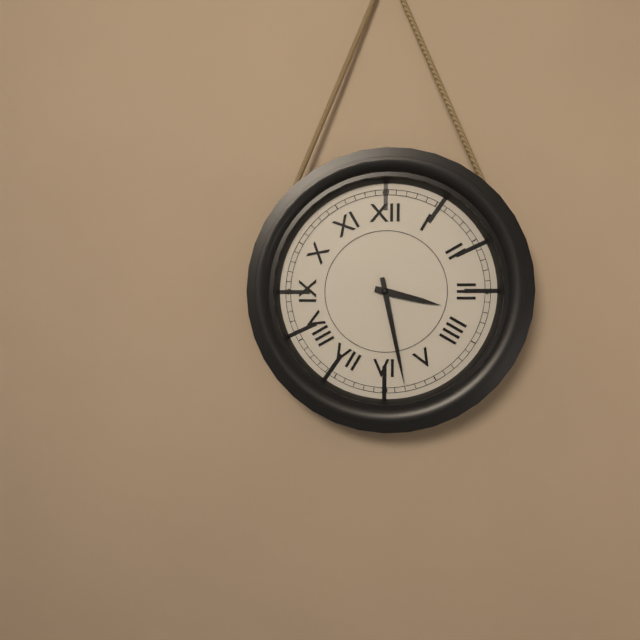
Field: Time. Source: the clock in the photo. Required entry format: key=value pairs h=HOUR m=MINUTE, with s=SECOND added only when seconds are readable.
h=3 m=28
